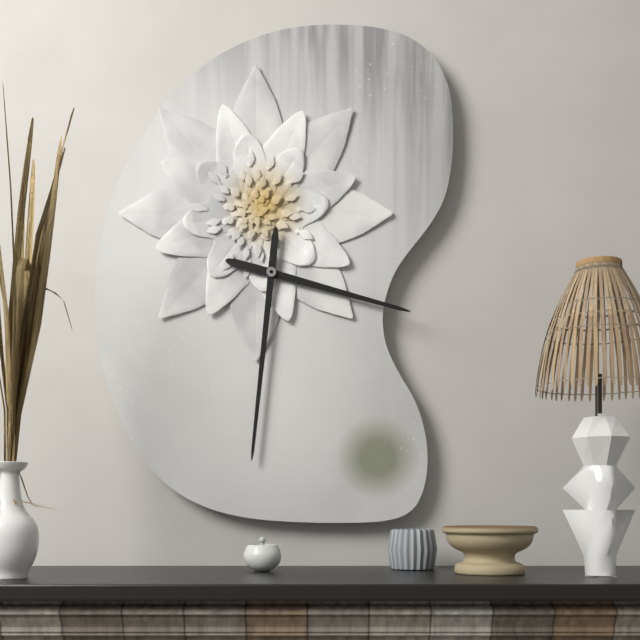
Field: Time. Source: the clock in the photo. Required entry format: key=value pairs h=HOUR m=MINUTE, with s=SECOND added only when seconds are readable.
h=3 m=31
